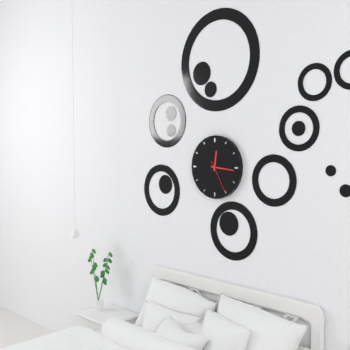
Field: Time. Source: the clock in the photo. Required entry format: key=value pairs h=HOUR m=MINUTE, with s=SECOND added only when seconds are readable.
h=12 m=16
